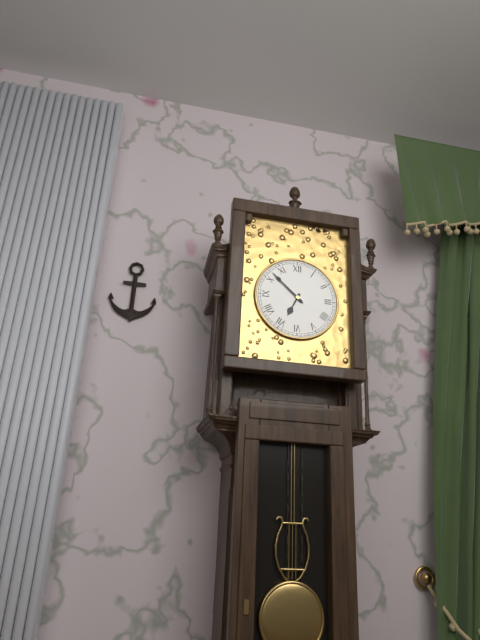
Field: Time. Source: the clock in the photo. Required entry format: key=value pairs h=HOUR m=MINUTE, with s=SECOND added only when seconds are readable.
h=6 m=52
